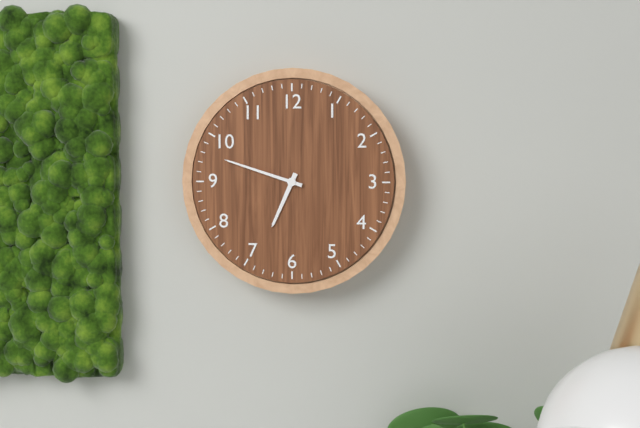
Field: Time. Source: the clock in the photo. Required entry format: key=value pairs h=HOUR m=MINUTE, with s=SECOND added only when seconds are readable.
h=6 m=48
